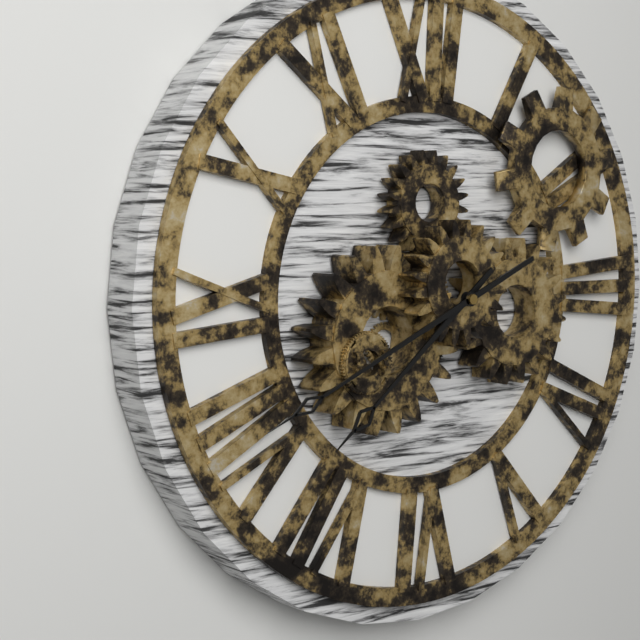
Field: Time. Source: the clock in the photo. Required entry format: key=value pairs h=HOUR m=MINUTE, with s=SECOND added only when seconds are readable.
h=7 m=41
